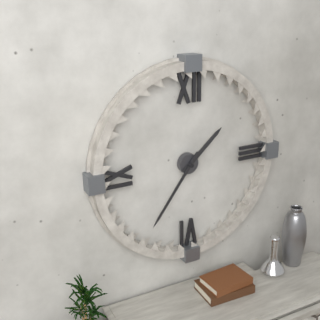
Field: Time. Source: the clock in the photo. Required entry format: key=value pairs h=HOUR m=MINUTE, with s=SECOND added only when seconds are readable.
h=1 m=36
